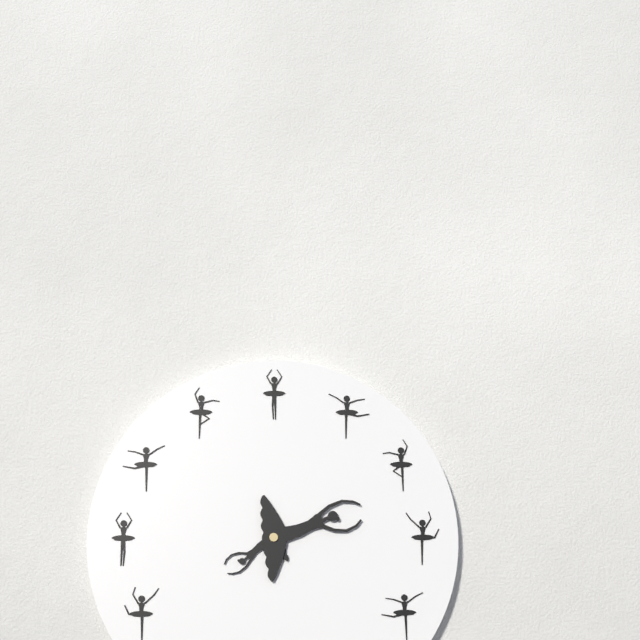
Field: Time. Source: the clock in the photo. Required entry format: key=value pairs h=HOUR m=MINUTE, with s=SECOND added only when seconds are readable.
h=8 m=14
